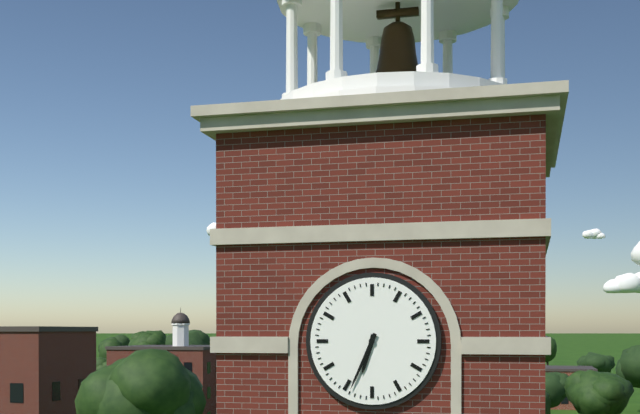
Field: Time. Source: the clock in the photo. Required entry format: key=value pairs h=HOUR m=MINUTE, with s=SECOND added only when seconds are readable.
h=6 m=34
